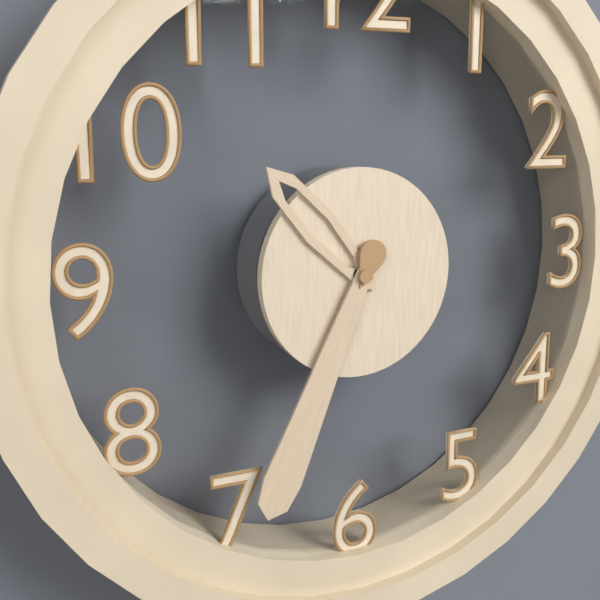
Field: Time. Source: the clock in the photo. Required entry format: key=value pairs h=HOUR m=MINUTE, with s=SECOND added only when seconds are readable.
h=10 m=34
